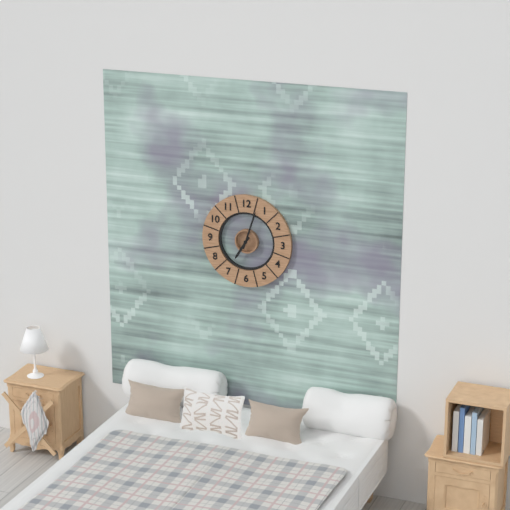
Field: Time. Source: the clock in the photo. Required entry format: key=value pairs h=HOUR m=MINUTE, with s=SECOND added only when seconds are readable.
h=7 m=3
